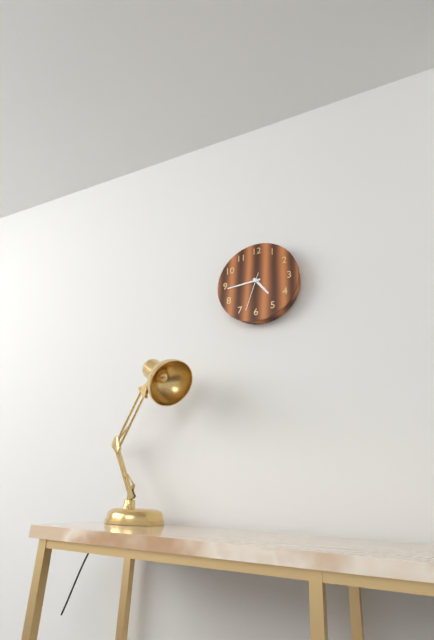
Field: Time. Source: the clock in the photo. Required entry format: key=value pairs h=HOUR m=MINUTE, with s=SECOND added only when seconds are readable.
h=4 m=44
